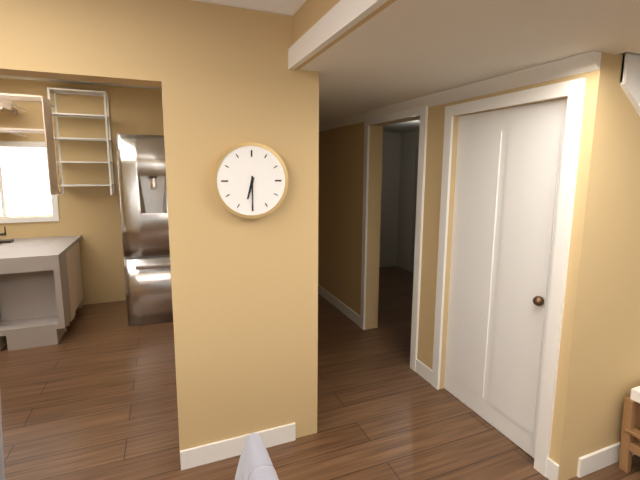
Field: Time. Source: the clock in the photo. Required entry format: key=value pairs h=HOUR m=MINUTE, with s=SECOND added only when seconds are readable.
h=6 m=30
